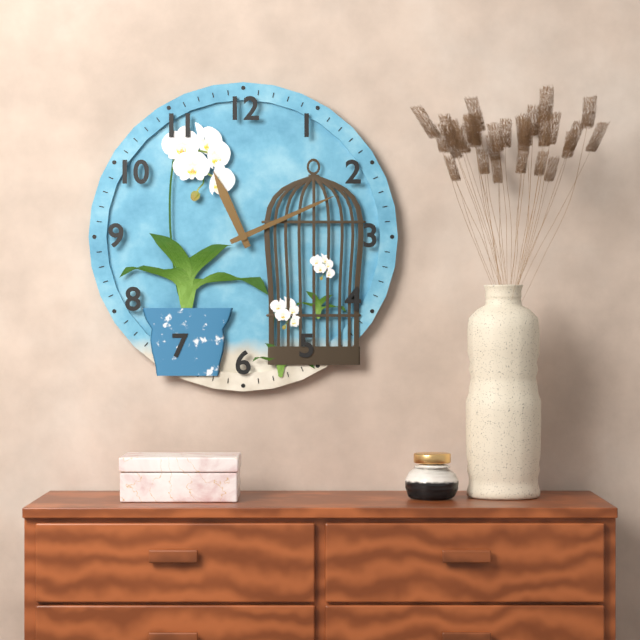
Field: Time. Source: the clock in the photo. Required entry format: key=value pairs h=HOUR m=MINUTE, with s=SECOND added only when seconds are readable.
h=11 m=11
